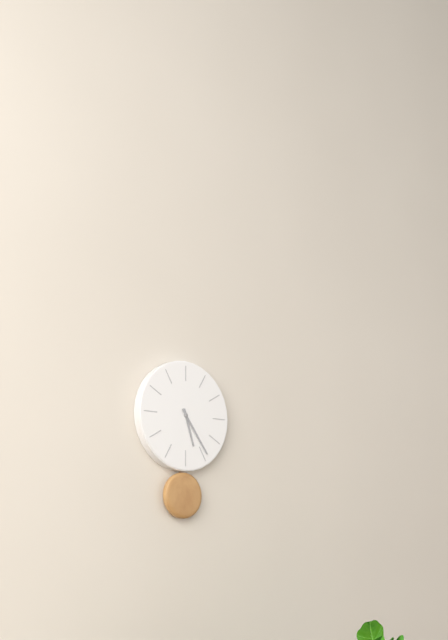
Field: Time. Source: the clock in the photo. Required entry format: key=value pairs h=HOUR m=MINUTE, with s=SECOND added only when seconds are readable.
h=5 m=24
